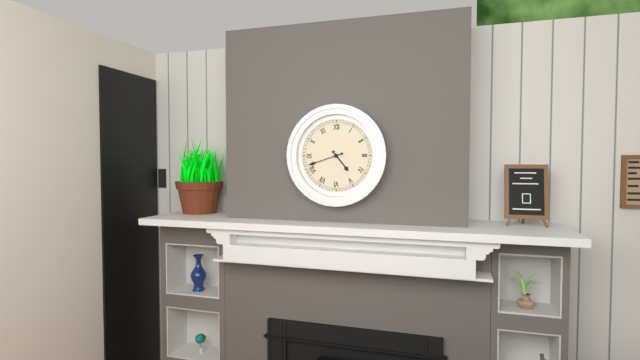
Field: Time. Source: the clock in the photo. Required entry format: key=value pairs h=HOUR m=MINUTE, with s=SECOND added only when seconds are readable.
h=4 m=42
